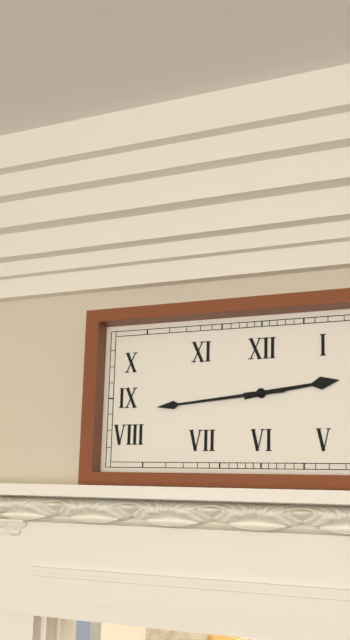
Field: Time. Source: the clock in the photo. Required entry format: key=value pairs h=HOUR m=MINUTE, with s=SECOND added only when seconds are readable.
h=2 m=44
